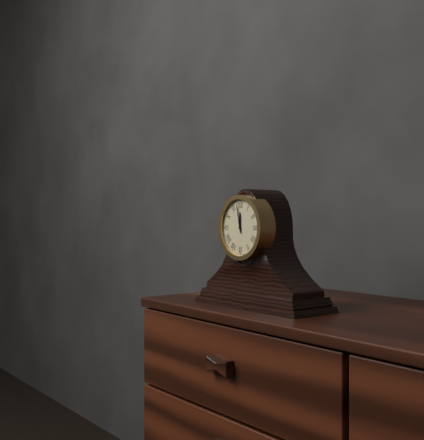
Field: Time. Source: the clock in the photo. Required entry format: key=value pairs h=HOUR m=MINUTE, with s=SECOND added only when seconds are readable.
h=11 m=58
